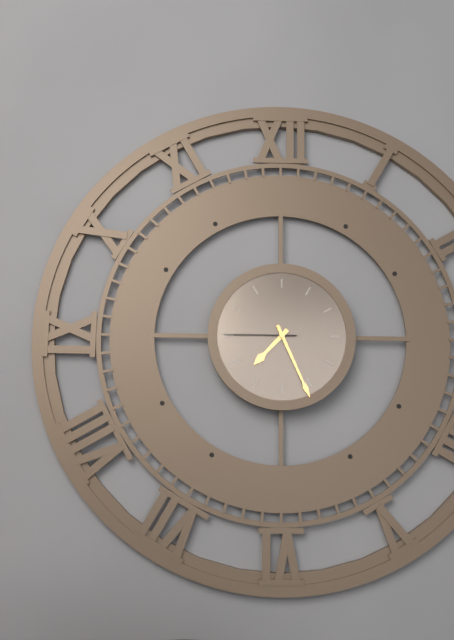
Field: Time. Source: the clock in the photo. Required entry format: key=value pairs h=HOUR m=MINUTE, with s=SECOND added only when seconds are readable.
h=7 m=26 s=45
